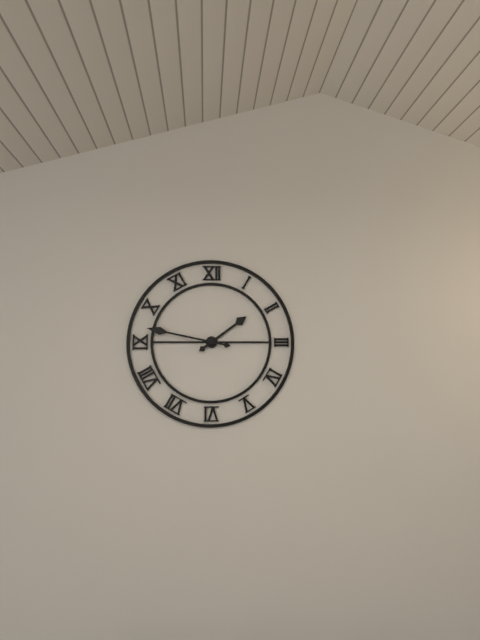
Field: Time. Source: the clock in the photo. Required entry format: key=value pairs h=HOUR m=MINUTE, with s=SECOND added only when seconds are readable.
h=1 m=47
